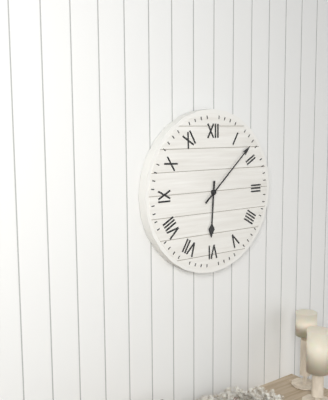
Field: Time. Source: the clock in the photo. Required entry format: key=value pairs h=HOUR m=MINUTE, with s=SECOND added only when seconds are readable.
h=6 m=8
